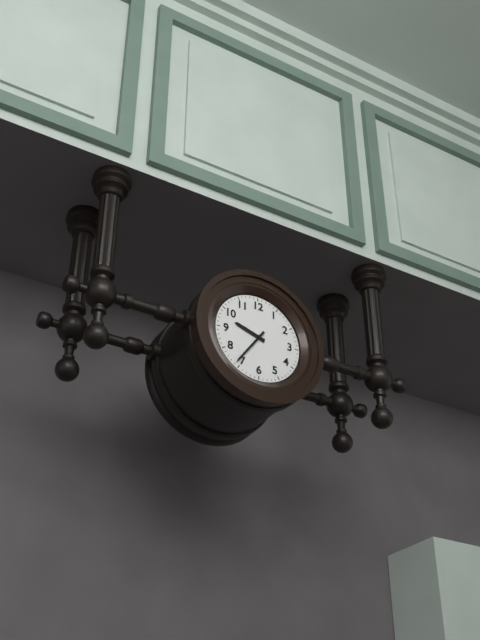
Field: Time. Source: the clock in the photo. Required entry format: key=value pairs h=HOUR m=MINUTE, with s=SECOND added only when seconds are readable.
h=9 m=36
